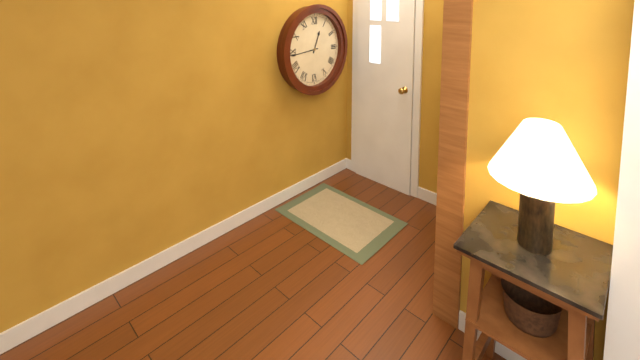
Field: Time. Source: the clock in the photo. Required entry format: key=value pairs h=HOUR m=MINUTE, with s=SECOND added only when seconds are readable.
h=12 m=44
